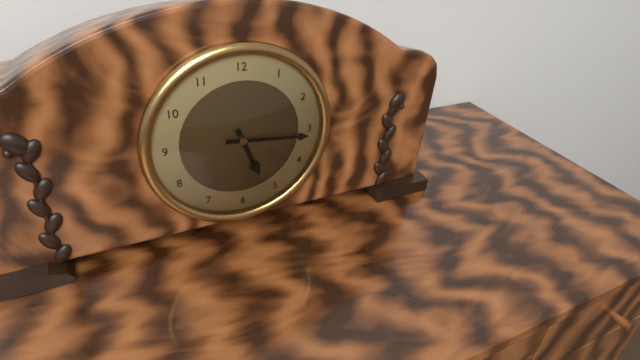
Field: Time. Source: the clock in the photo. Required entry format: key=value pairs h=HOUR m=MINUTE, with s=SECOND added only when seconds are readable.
h=5 m=16
